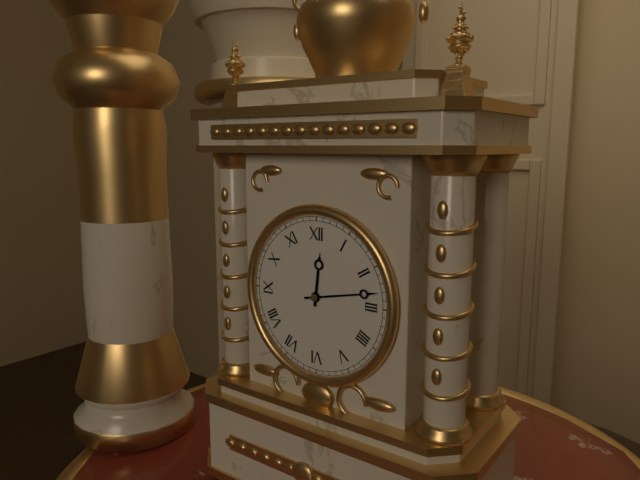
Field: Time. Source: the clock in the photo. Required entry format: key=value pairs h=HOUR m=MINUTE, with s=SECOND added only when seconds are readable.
h=12 m=13
